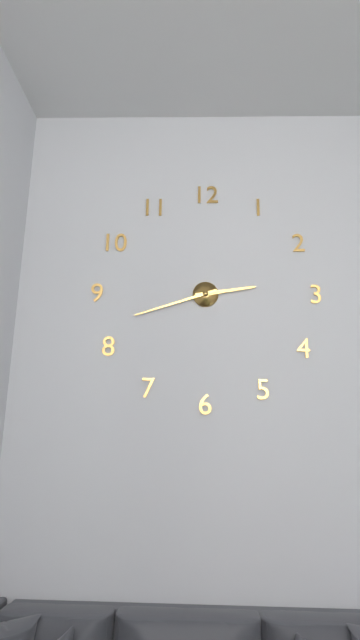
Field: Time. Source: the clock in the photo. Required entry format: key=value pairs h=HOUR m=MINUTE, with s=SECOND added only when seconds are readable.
h=2 m=42
